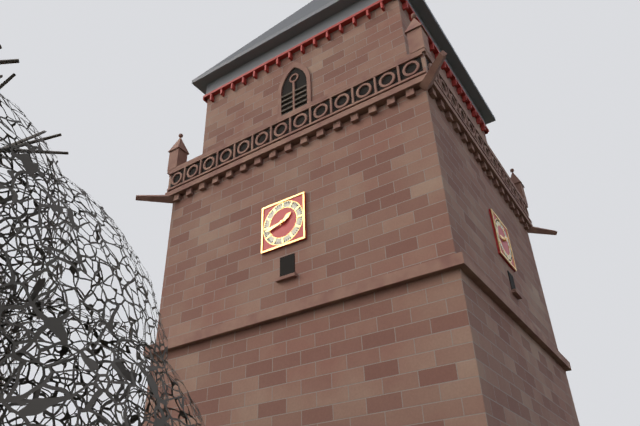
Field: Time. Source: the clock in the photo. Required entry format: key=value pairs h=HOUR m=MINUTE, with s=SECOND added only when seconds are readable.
h=1 m=43
